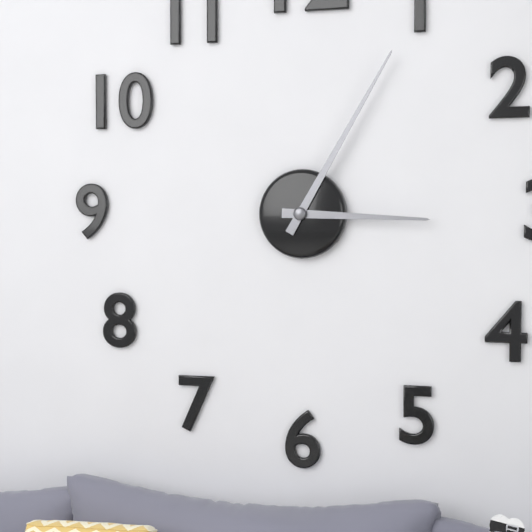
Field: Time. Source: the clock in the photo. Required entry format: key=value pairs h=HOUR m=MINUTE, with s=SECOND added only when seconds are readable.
h=3 m=5
